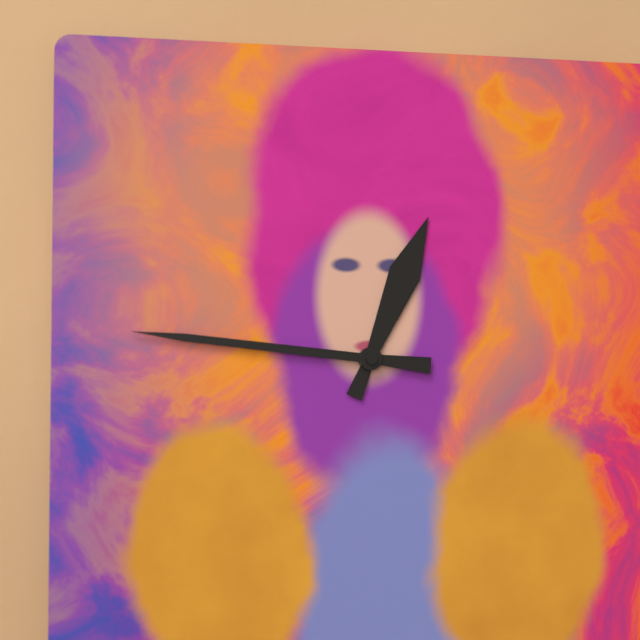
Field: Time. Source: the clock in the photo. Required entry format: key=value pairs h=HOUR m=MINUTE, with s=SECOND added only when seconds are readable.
h=12 m=46
